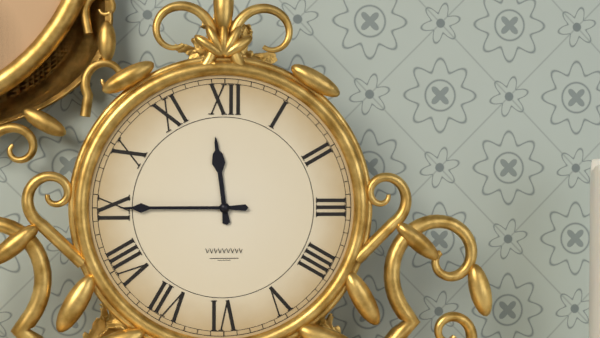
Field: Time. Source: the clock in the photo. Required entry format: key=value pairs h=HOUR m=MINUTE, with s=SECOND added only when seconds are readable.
h=11 m=45
